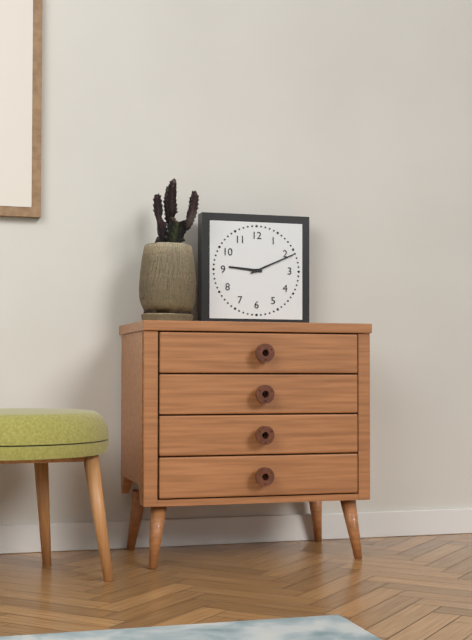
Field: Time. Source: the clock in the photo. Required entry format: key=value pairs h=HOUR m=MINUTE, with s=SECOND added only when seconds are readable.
h=9 m=11
